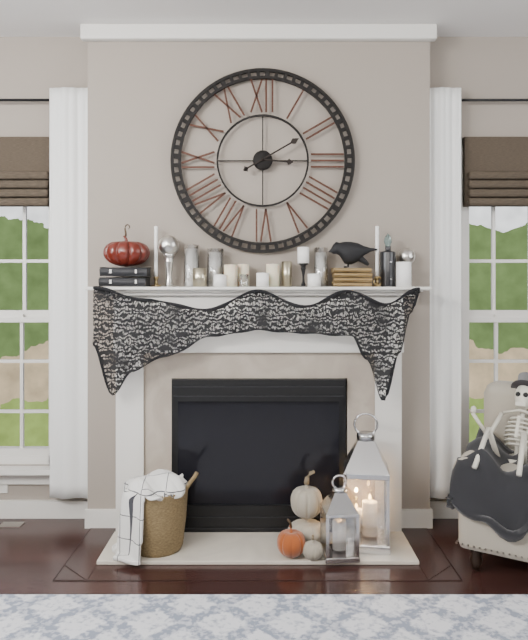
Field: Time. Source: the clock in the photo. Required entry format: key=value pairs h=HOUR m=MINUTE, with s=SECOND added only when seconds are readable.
h=3 m=10
